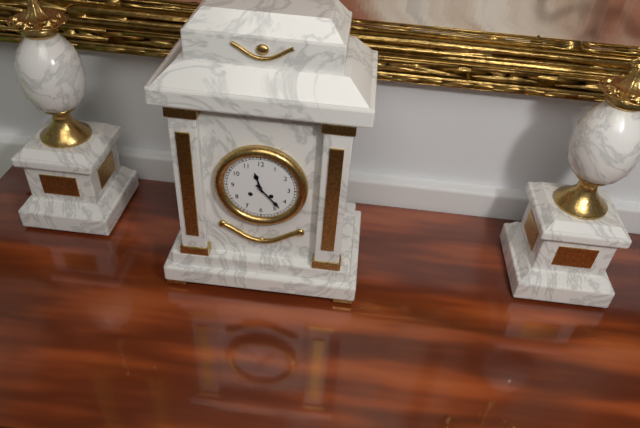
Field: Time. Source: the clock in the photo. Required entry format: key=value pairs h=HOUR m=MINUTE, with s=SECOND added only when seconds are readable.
h=11 m=23
